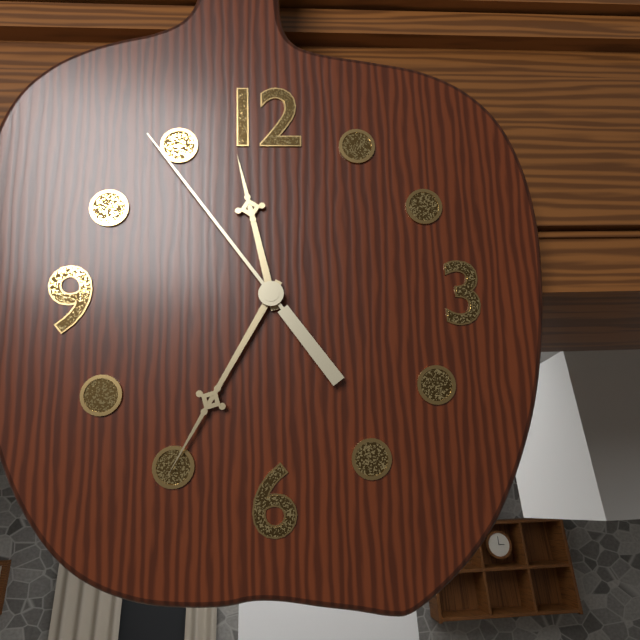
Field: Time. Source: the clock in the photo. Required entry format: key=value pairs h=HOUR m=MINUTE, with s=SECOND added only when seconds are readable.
h=11 m=35 s=54
